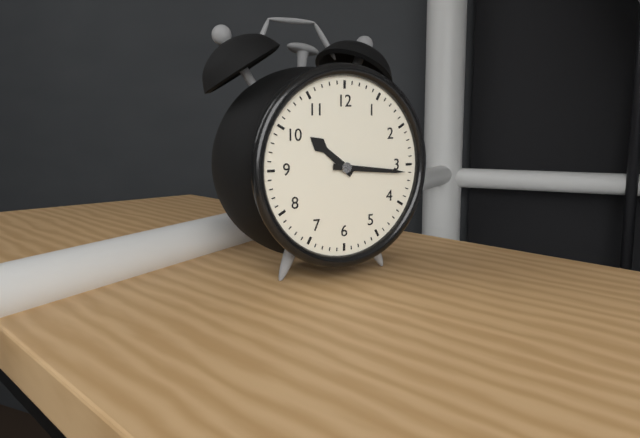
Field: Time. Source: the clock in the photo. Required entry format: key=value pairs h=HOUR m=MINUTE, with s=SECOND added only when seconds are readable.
h=10 m=16
